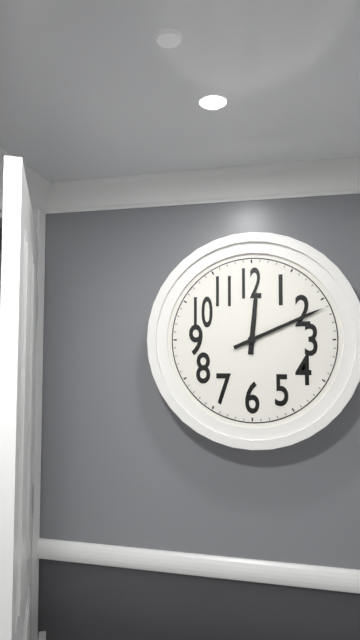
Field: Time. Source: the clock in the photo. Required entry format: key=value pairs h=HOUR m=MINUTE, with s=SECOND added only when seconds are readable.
h=12 m=11
